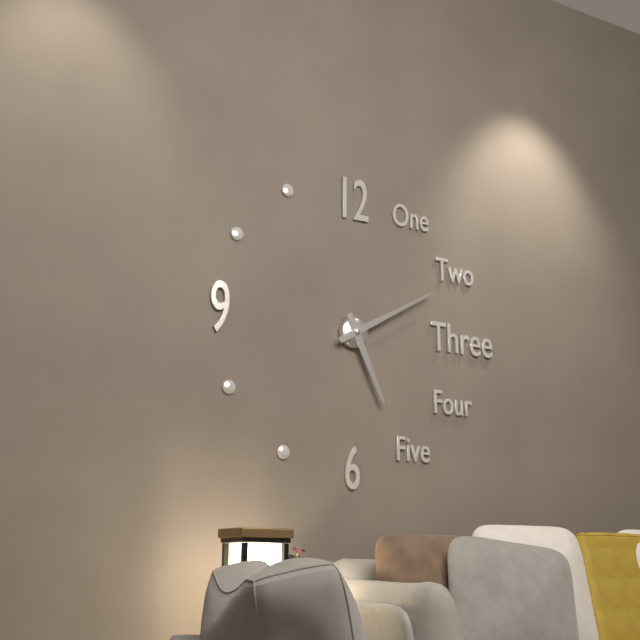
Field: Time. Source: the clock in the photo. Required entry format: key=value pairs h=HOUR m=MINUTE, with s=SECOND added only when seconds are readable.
h=5 m=10
